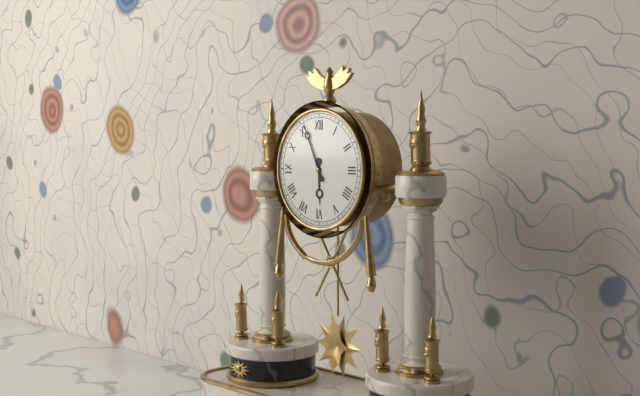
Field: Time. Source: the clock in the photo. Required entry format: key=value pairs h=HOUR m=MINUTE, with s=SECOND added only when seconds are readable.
h=5 m=56
